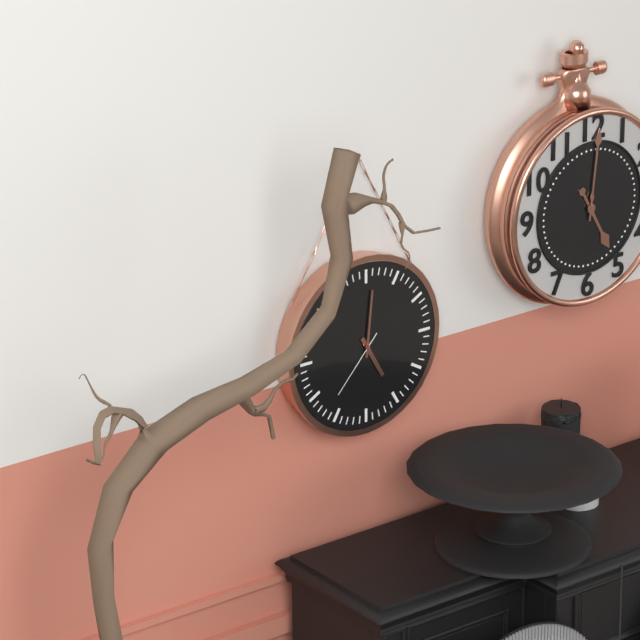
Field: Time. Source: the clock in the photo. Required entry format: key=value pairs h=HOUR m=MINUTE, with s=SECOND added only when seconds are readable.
h=5 m=1 s=37
